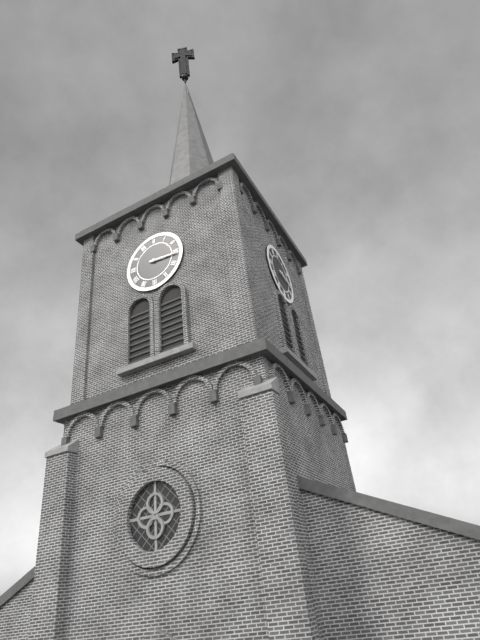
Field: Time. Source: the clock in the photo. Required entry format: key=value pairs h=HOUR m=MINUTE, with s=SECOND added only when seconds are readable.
h=3 m=16
